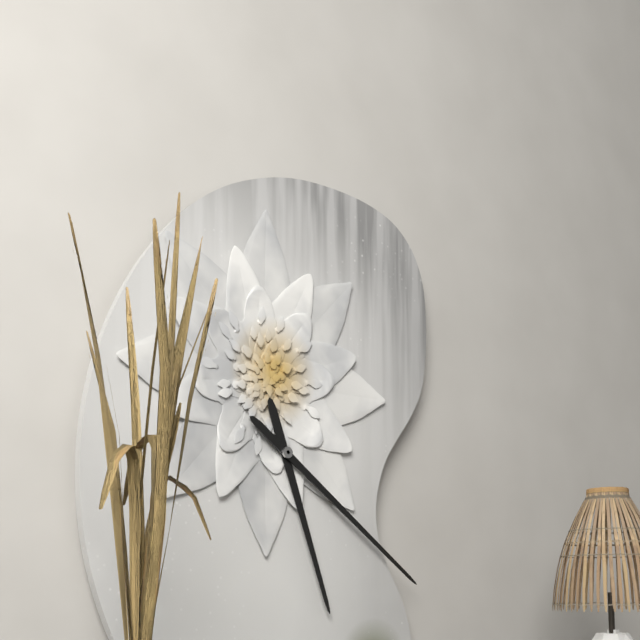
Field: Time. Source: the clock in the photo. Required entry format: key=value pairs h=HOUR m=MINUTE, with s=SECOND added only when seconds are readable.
h=5 m=21
